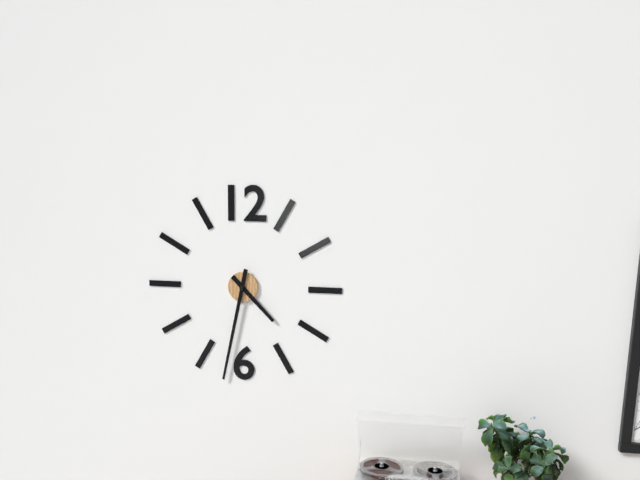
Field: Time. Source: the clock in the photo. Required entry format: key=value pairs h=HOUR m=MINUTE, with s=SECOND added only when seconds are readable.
h=4 m=32
